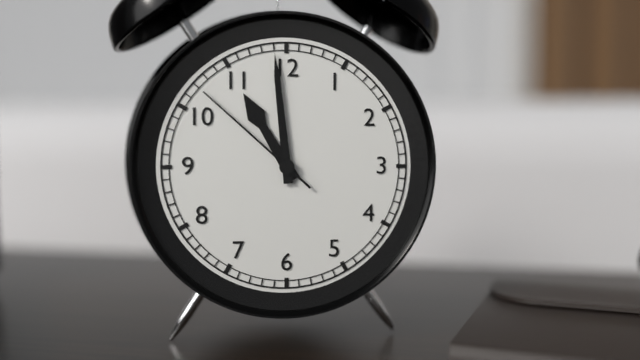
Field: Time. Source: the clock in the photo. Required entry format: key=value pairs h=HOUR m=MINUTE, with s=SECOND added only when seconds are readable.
h=10 m=59 s=52
